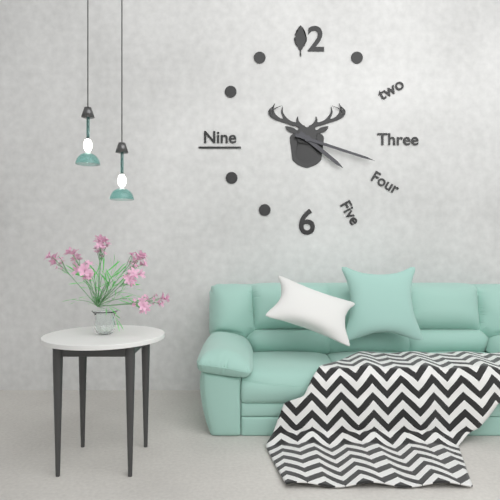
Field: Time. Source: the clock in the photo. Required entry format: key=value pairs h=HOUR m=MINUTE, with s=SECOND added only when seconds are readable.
h=4 m=18
